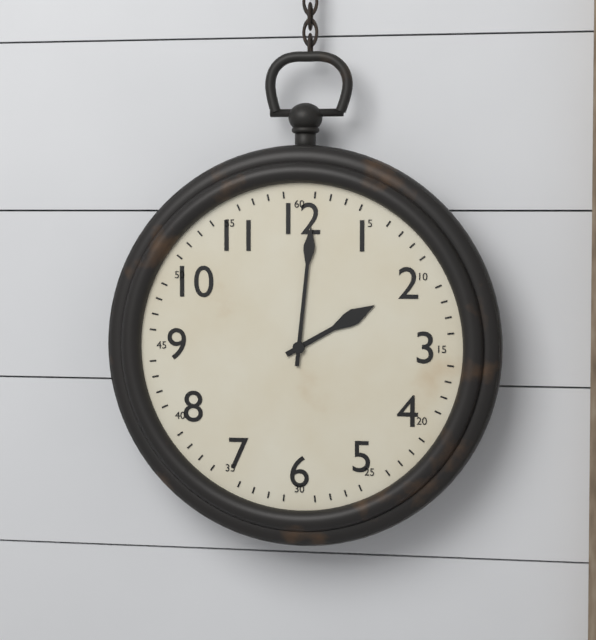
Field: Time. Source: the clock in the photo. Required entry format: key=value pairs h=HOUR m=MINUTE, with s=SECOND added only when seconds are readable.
h=2 m=1
